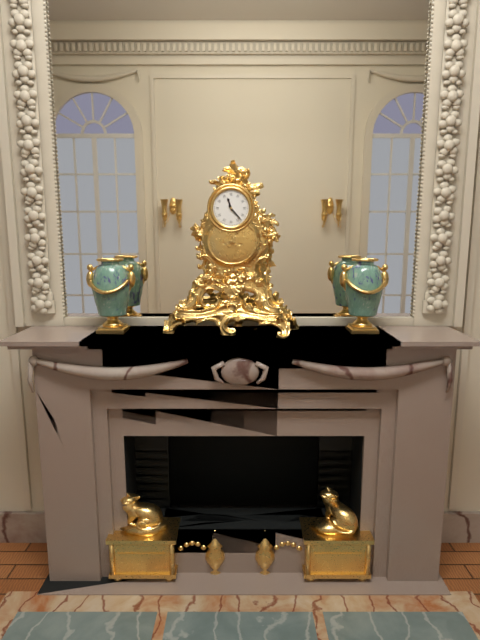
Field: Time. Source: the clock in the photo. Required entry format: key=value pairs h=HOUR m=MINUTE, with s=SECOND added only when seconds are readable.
h=11 m=23
